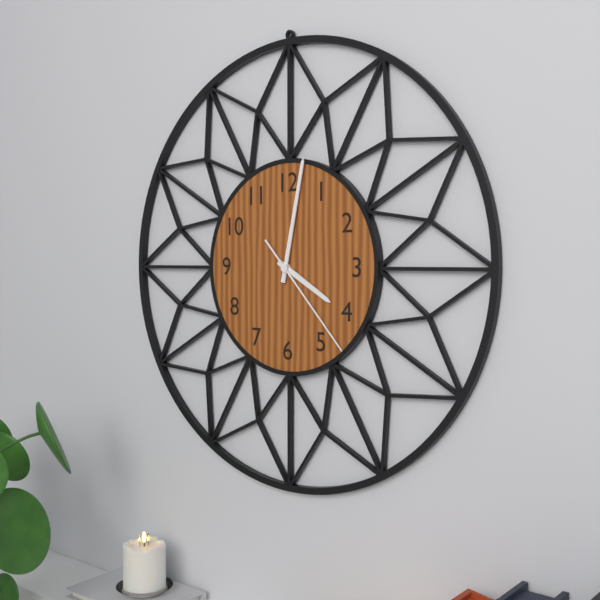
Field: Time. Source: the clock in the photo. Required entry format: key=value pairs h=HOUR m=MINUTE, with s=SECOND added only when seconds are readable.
h=4 m=2 s=23
